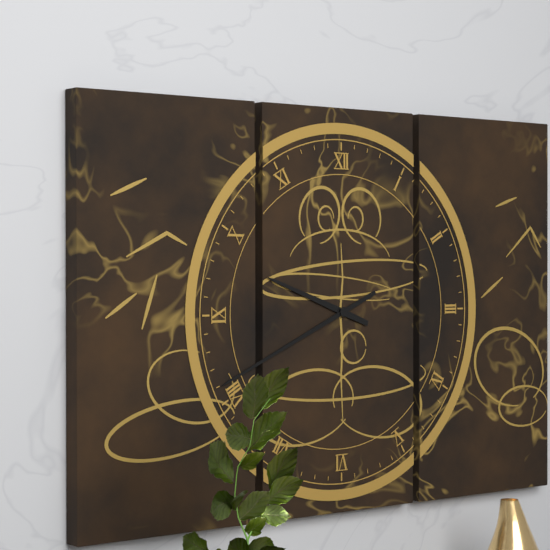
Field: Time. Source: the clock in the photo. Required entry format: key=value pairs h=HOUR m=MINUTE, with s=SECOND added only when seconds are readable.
h=9 m=41
